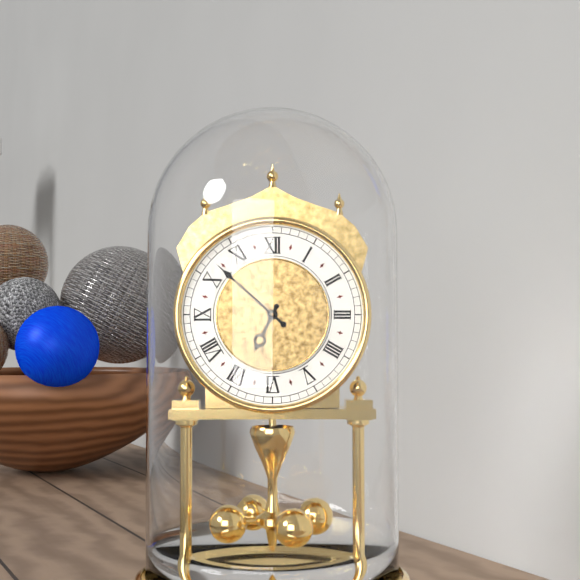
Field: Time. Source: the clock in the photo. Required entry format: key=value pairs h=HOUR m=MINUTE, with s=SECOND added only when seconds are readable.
h=6 m=52
